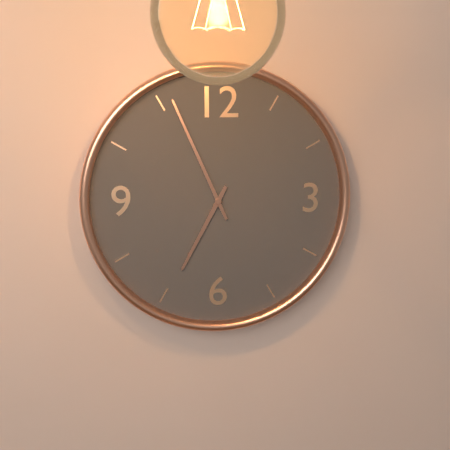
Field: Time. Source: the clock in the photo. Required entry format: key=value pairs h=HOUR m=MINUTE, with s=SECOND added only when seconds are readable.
h=6 m=56
